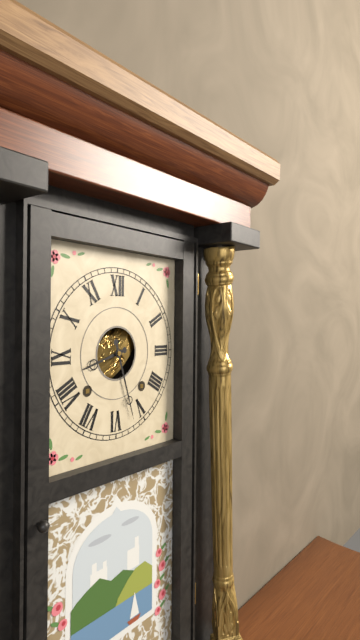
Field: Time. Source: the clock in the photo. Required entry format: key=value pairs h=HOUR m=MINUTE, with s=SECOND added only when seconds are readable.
h=8 m=27
